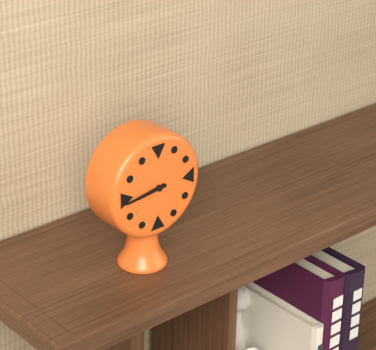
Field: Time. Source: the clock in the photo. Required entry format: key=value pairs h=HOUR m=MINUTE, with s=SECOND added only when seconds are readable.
h=8 m=44
